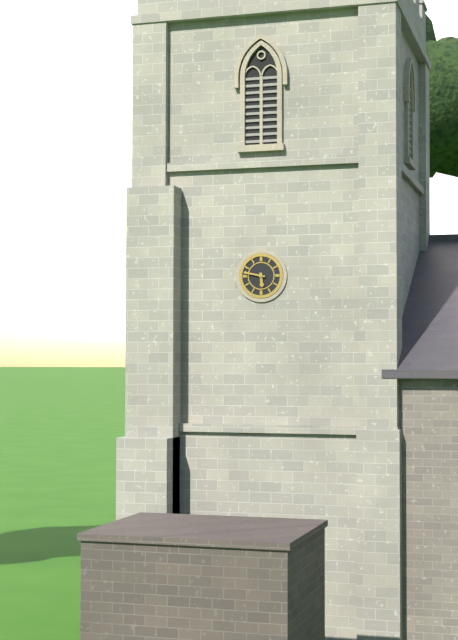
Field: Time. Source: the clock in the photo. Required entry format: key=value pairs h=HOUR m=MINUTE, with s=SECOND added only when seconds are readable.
h=5 m=47
